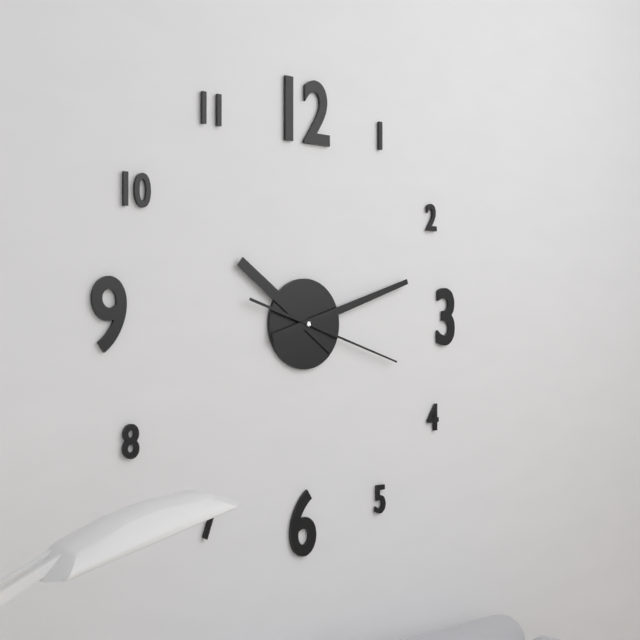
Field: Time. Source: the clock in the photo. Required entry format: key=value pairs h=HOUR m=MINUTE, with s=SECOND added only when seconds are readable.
h=10 m=12 s=18
